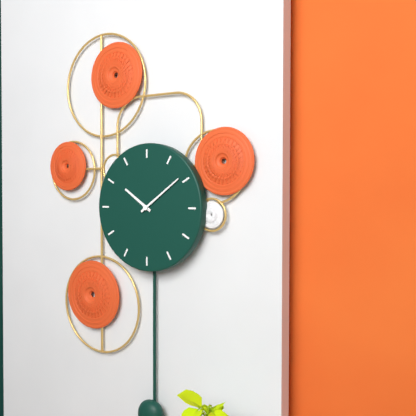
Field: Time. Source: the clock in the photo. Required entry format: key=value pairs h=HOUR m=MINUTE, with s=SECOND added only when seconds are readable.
h=10 m=9
